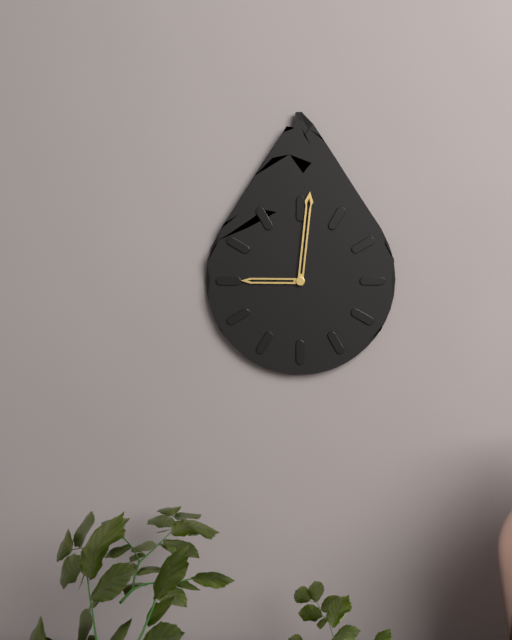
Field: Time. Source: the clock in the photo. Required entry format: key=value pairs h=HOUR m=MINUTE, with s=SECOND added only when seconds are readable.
h=9 m=1
